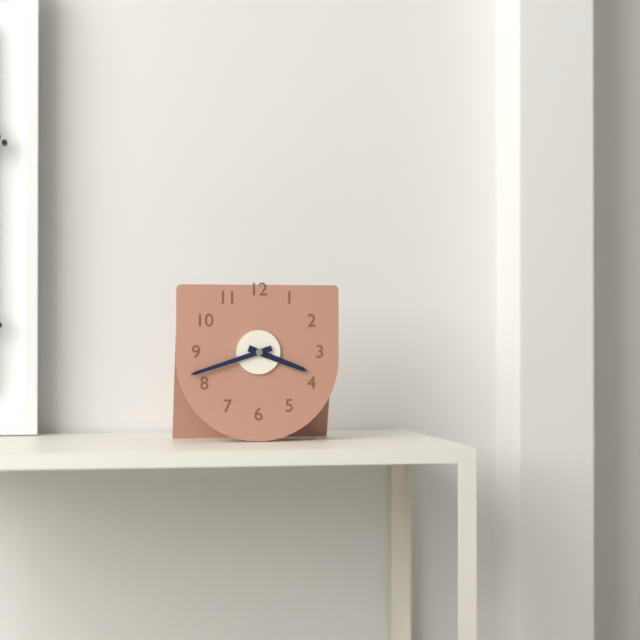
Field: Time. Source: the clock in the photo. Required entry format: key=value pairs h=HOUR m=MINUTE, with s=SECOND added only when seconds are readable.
h=3 m=42
